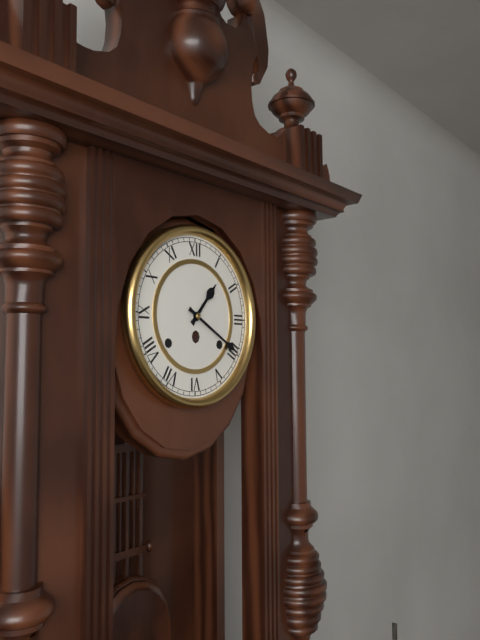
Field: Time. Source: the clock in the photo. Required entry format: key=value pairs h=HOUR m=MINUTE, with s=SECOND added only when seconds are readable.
h=1 m=20
